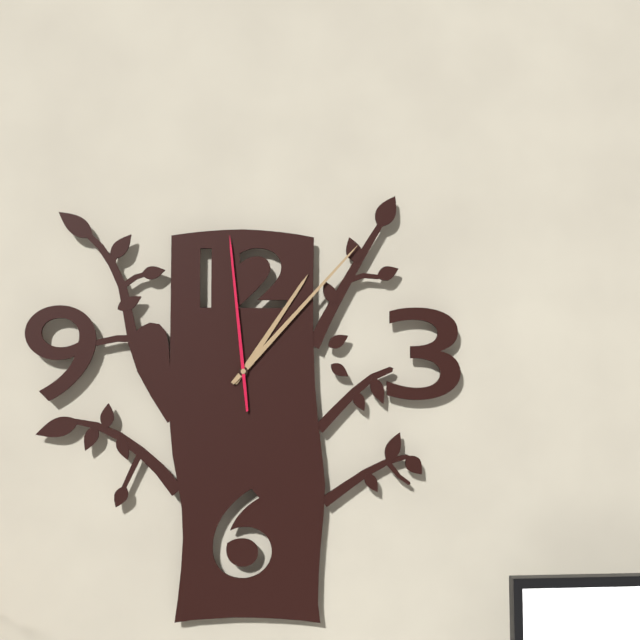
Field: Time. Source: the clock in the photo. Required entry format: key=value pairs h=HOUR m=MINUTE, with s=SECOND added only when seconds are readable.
h=1 m=7 s=59
